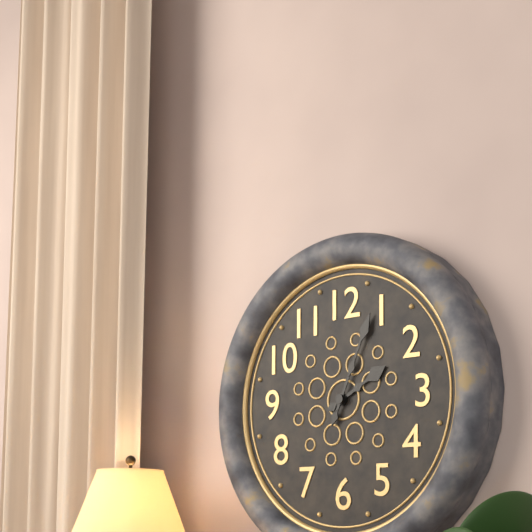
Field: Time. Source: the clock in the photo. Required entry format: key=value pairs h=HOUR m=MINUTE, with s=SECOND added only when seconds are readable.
h=2 m=4
